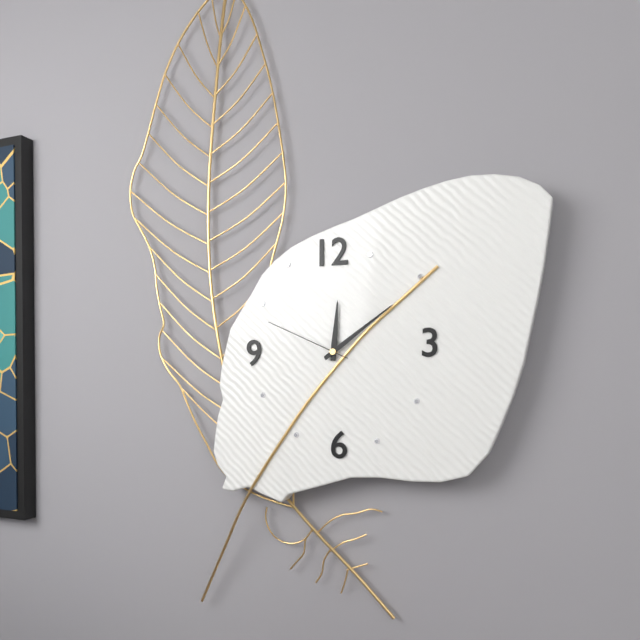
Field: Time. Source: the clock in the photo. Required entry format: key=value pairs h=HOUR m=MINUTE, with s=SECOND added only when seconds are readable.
h=12 m=9 s=49
